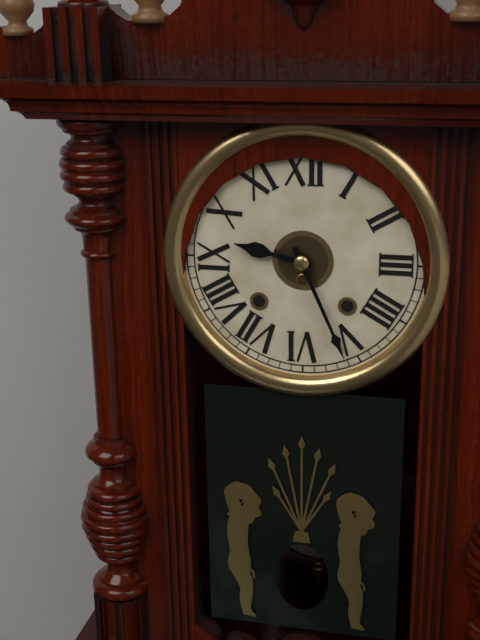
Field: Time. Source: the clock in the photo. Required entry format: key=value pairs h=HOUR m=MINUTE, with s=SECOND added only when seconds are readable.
h=9 m=26
